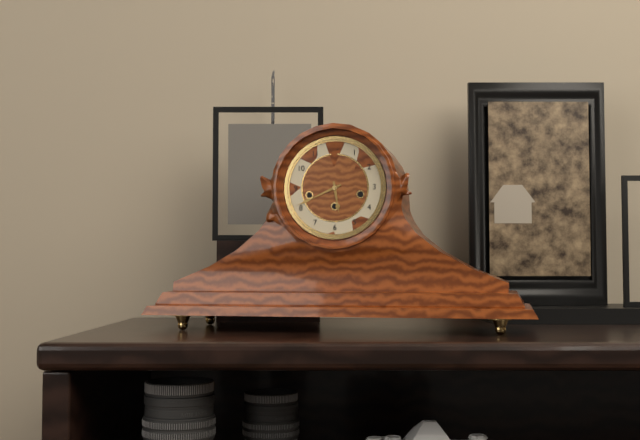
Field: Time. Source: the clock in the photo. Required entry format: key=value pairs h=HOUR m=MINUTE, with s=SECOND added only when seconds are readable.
h=5 m=41
